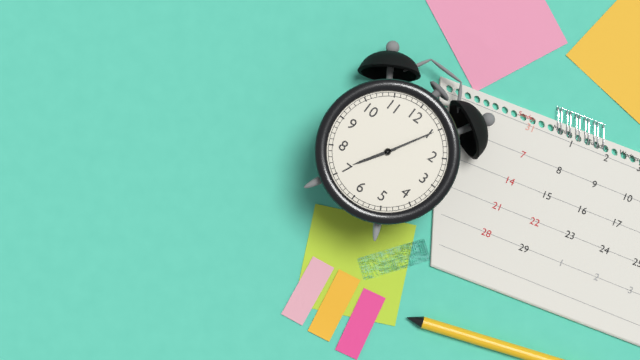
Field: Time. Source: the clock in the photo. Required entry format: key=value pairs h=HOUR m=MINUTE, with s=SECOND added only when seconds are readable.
h=7 m=5
